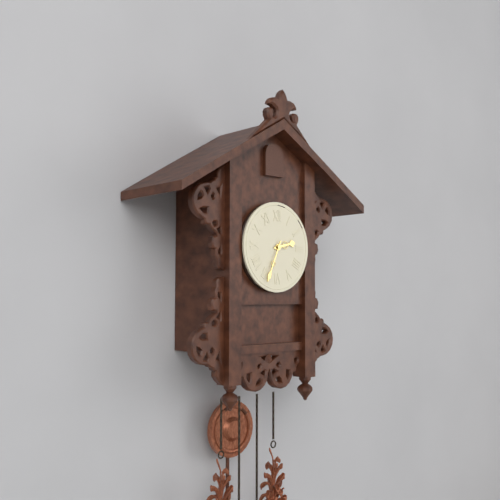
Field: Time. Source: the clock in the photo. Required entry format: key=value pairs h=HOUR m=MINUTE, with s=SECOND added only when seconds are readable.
h=2 m=34
